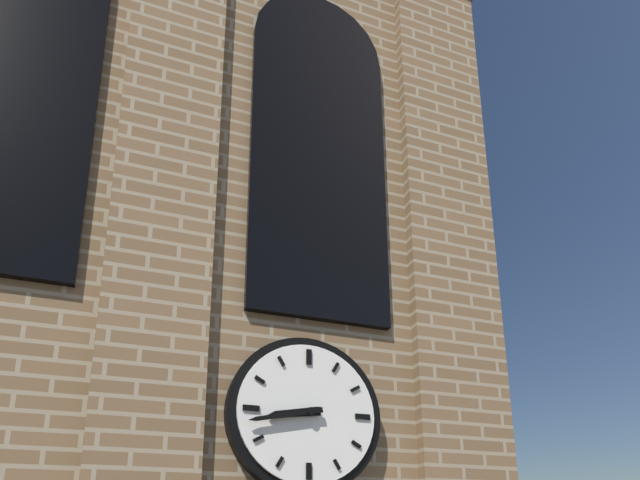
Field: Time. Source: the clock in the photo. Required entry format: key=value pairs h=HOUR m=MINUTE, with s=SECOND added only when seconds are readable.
h=8 m=43
